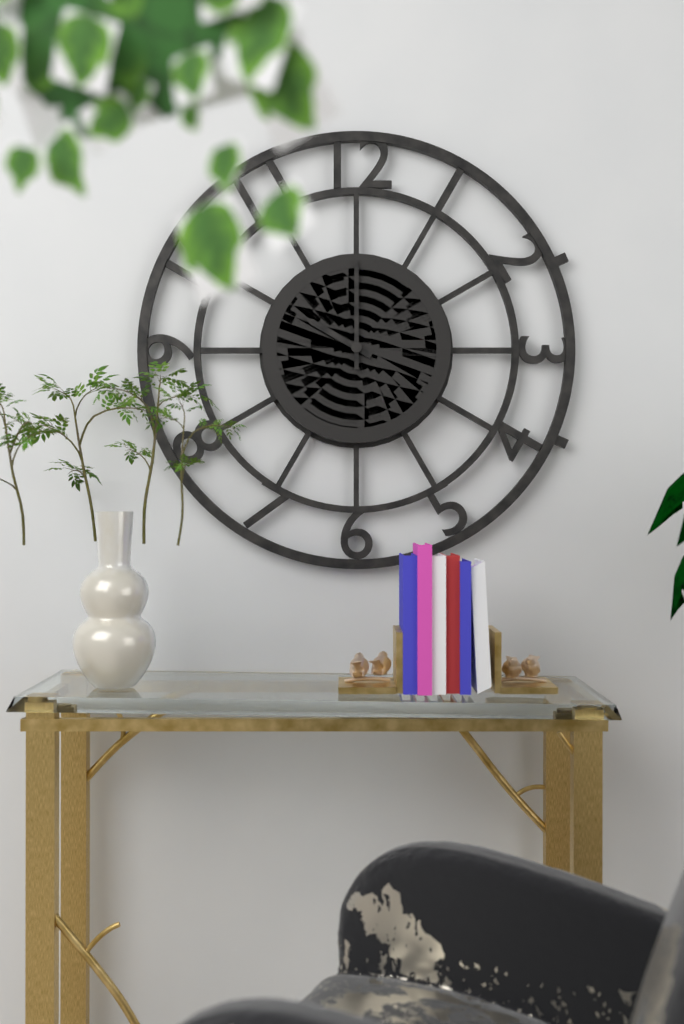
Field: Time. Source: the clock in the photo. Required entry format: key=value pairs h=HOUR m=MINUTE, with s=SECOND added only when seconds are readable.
h=10 m=0
